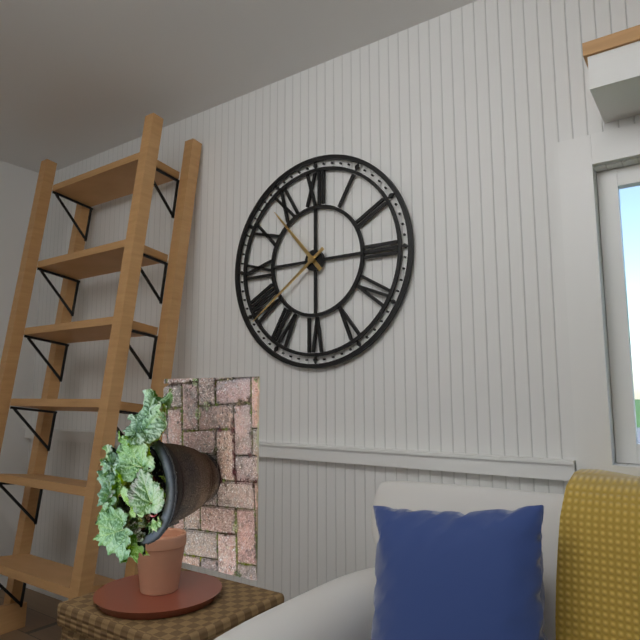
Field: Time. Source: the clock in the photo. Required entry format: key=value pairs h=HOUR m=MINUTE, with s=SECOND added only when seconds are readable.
h=10 m=39
